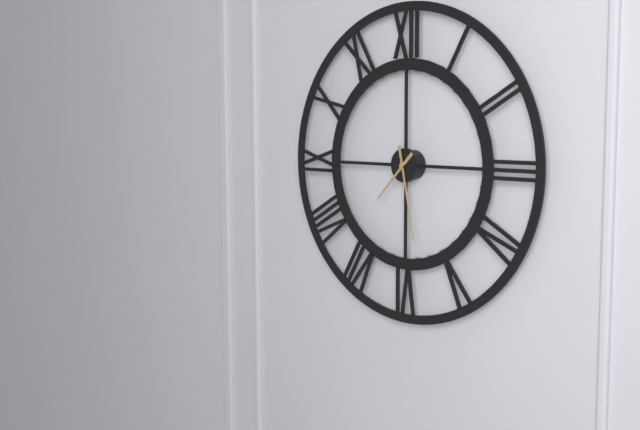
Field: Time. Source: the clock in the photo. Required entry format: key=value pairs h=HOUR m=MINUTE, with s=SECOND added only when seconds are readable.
h=7 m=28
